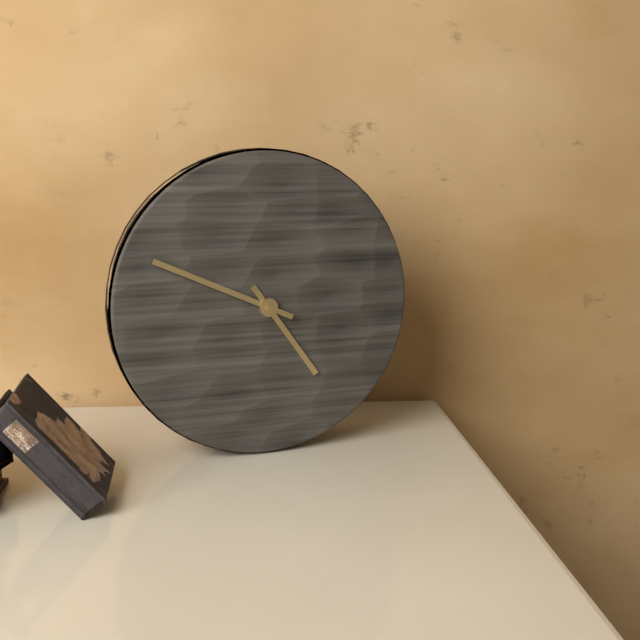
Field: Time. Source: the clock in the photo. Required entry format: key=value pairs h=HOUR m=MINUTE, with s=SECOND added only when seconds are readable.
h=4 m=49
